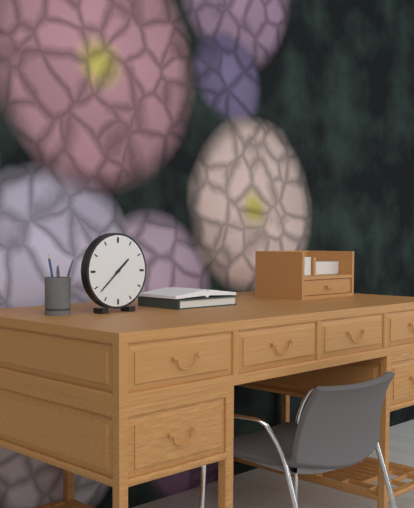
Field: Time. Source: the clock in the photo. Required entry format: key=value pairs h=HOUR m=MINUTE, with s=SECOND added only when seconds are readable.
h=1 m=38
